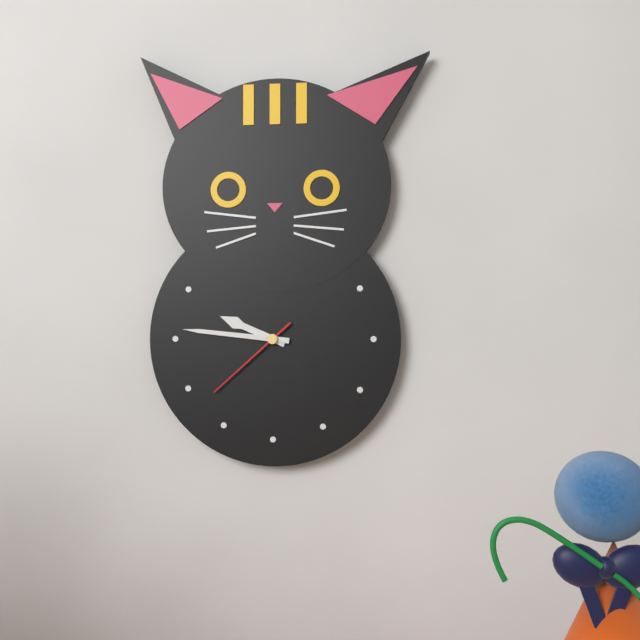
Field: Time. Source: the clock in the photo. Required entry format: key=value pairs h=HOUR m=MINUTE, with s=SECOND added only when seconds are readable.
h=9 m=46 s=38
